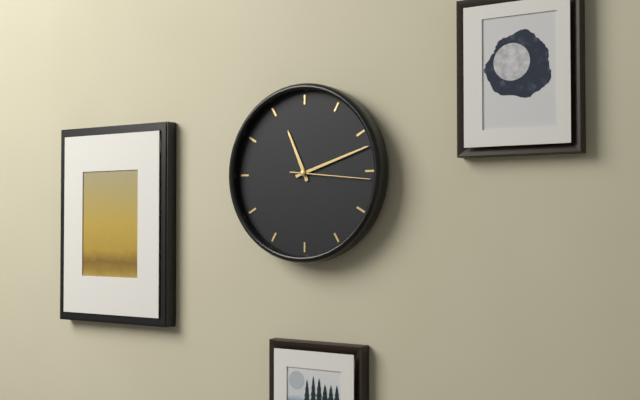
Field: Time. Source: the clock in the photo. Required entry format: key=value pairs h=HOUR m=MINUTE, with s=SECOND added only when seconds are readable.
h=11 m=12 s=16
